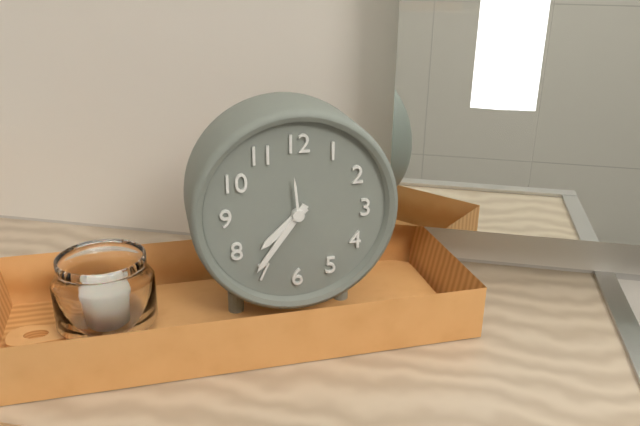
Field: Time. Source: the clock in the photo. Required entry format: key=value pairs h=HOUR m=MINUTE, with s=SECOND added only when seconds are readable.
h=7 m=36
